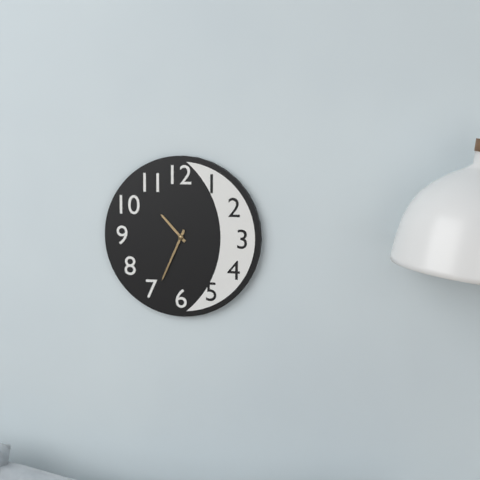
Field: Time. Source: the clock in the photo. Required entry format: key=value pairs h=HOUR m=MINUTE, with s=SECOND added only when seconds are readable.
h=10 m=34
